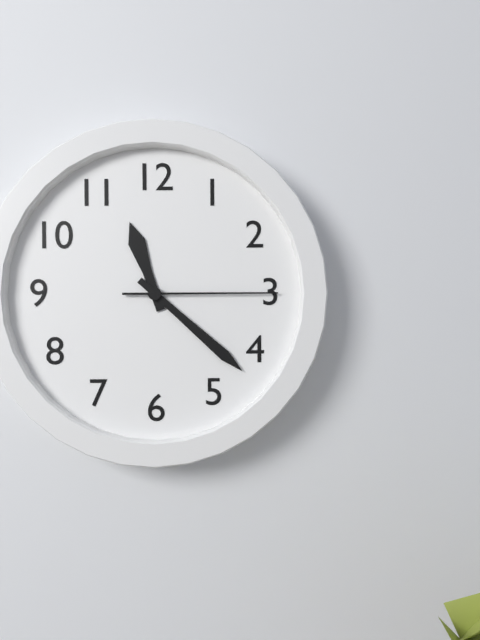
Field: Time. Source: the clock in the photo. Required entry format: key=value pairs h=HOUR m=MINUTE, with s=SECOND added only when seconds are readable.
h=11 m=22 s=15
